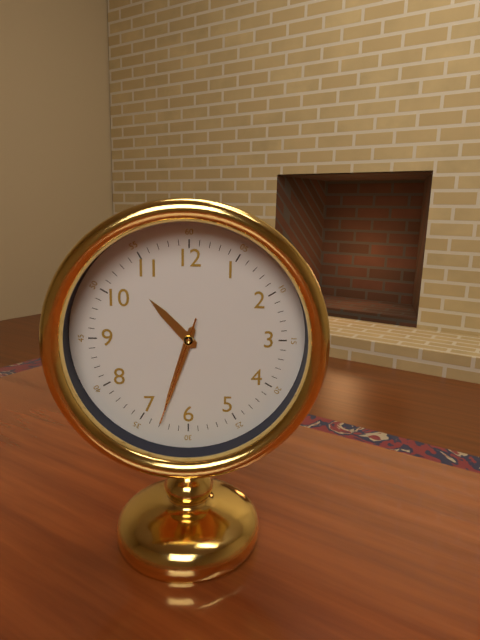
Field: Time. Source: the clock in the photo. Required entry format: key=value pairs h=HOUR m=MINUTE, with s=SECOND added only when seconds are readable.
h=10 m=33 s=33
